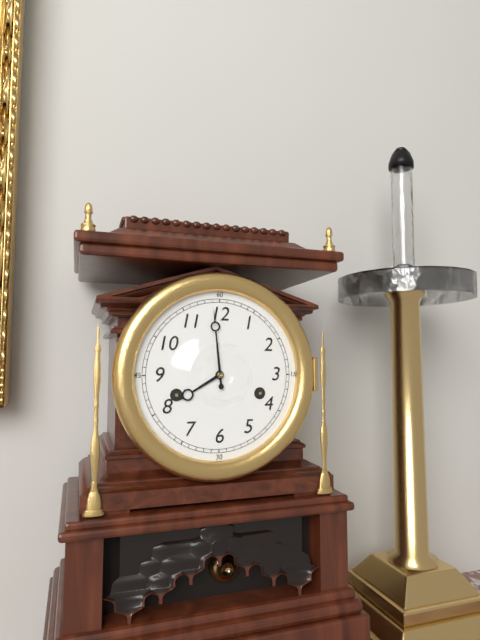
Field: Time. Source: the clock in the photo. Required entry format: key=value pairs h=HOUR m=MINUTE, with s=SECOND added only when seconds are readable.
h=7 m=59
